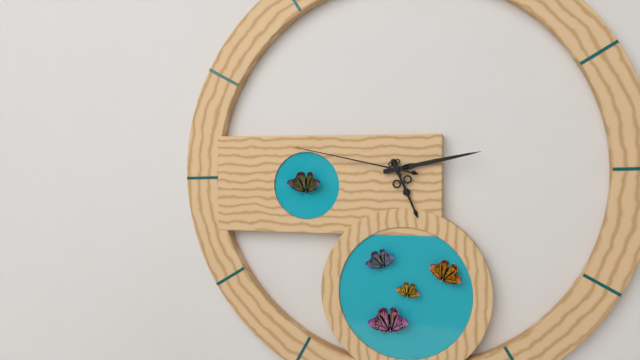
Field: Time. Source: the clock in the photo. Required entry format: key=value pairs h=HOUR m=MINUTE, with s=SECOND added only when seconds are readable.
h=5 m=13 s=47
